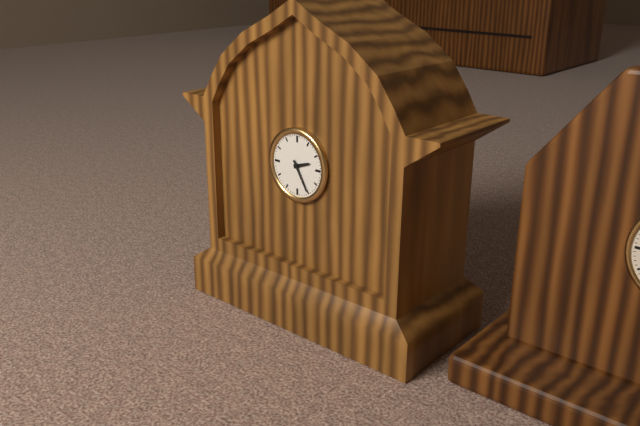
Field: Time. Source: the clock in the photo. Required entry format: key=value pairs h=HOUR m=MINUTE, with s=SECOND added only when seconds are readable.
h=2 m=25
